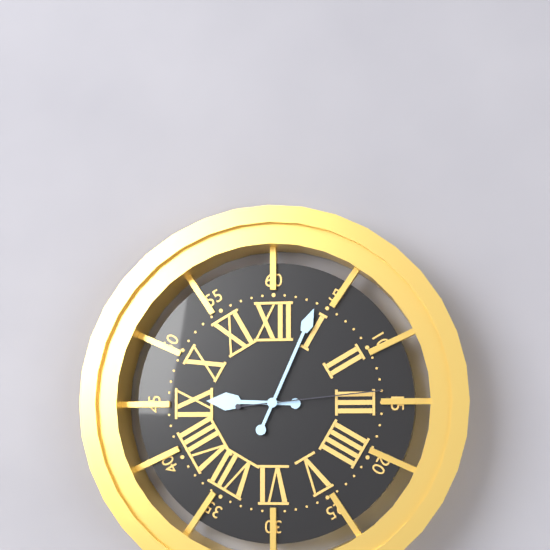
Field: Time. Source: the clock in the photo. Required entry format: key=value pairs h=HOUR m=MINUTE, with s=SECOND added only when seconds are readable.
h=9 m=4 s=14
